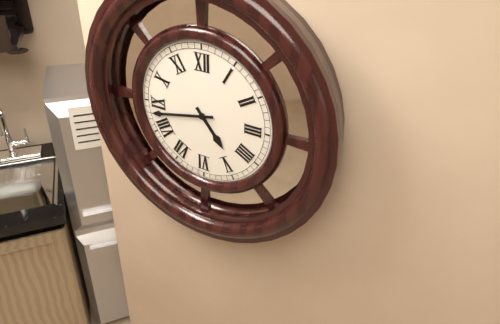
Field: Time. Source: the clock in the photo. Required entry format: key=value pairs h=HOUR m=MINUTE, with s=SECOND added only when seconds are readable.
h=4 m=43
